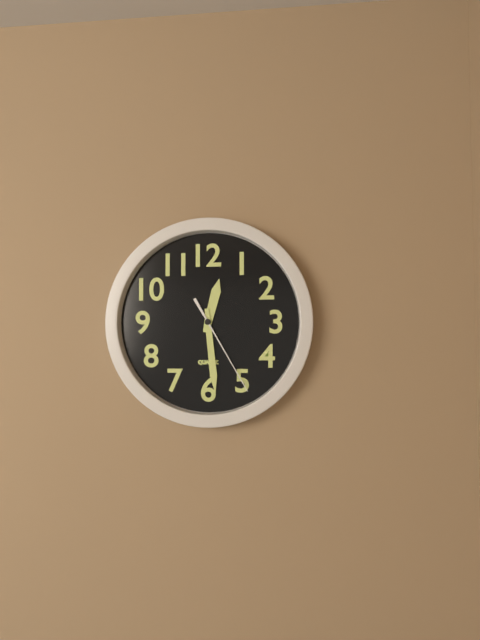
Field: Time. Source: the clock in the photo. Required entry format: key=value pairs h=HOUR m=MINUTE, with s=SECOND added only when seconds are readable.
h=12 m=29 s=25
